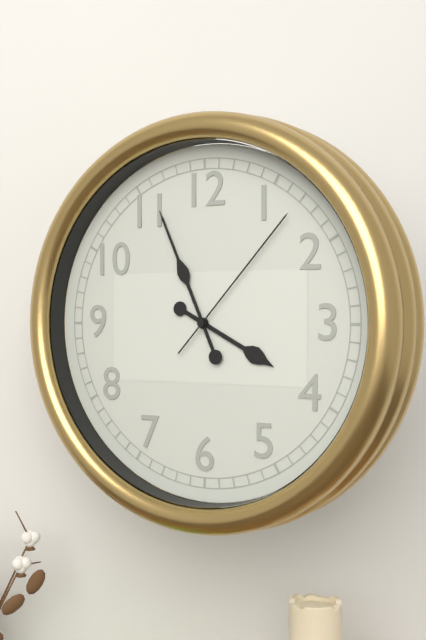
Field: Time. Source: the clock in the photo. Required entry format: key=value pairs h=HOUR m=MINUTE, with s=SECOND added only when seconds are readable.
h=3 m=56 s=7
